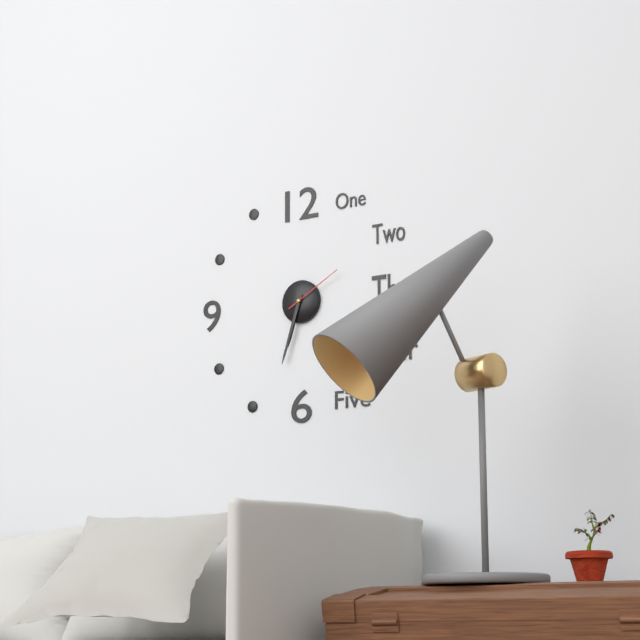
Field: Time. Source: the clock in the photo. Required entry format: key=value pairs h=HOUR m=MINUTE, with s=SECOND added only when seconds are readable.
h=6 m=33 s=10
